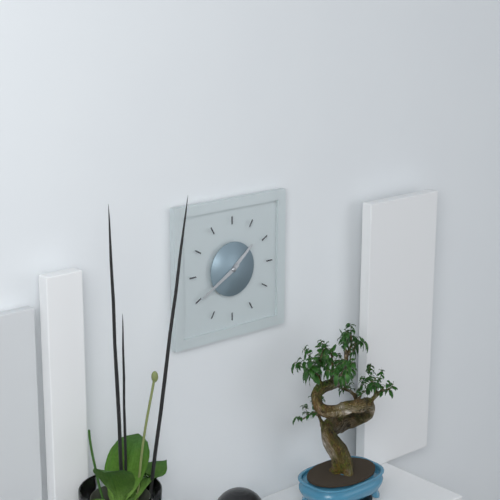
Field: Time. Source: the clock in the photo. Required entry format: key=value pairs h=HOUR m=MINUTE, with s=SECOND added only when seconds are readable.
h=1 m=40
